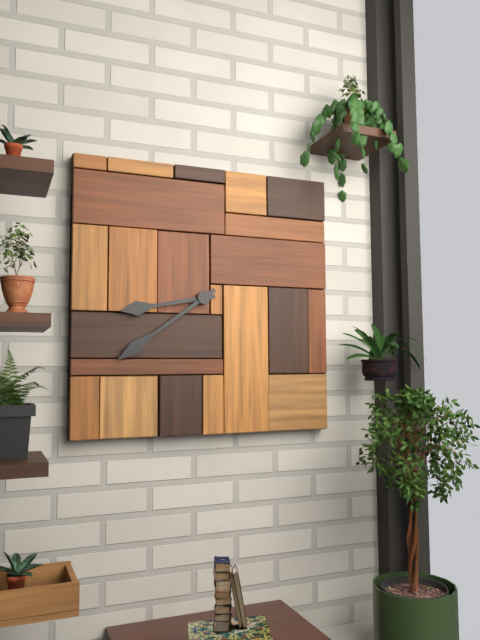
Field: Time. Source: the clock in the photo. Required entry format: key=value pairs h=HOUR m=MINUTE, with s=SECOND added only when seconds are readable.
h=8 m=39
